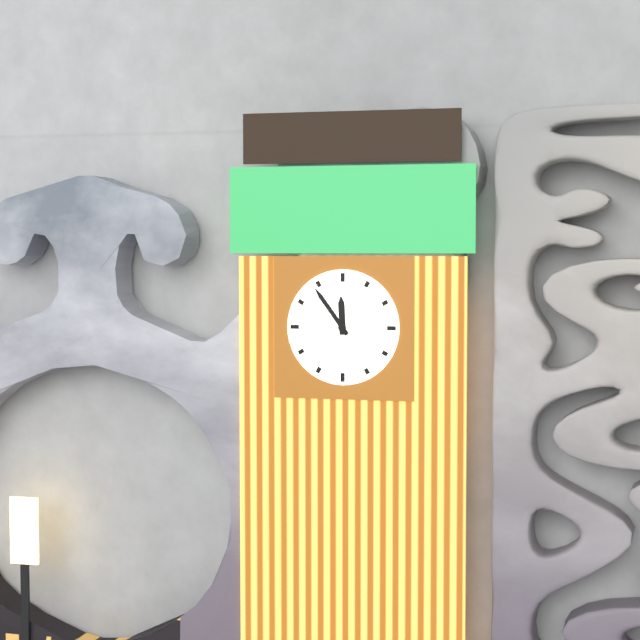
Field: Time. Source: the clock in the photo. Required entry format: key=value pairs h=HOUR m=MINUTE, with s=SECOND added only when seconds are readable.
h=11 m=54
